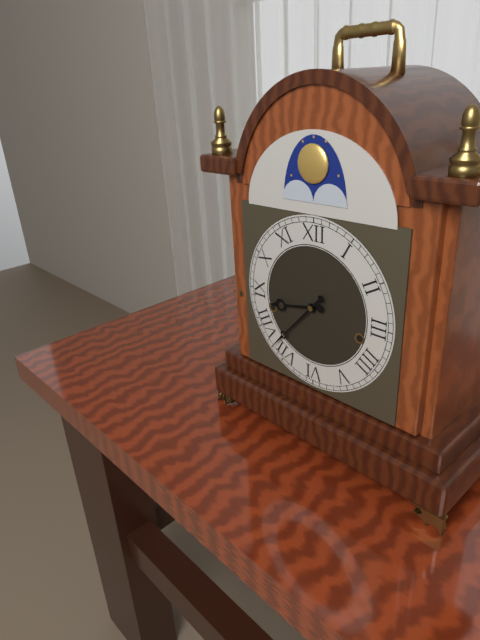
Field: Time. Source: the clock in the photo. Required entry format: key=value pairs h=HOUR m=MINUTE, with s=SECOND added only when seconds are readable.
h=8 m=37
